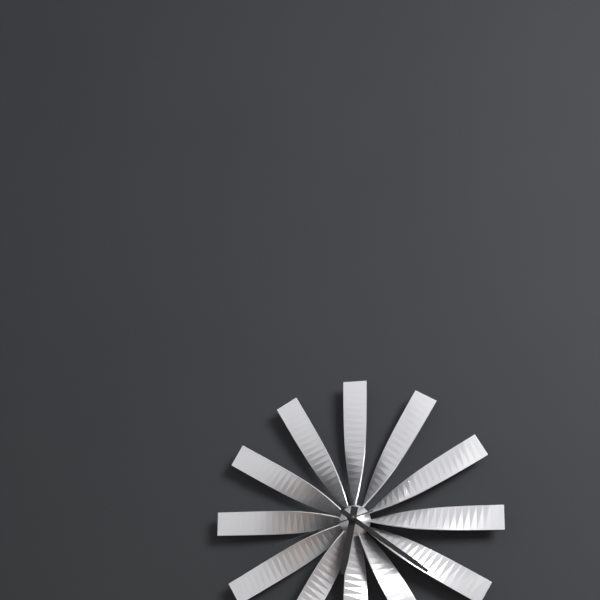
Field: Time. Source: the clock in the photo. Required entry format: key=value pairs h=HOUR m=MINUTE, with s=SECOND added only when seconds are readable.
h=6 m=21 s=42
